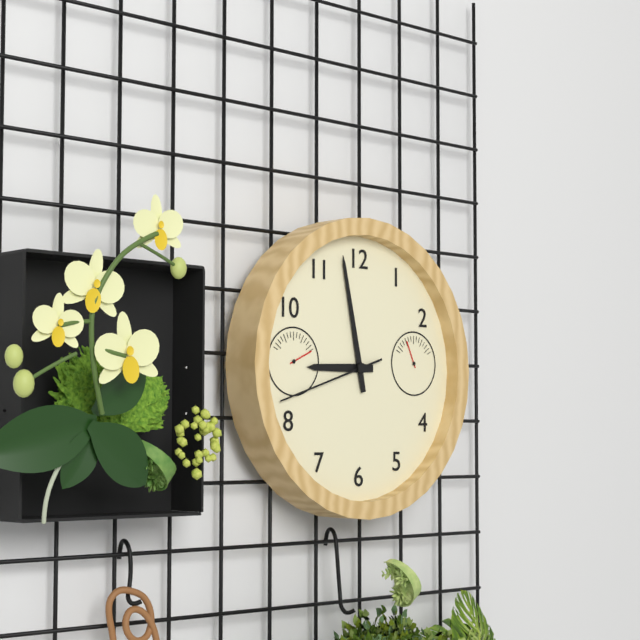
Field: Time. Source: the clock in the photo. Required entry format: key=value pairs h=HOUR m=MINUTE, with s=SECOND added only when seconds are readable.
h=8 m=58 s=42
